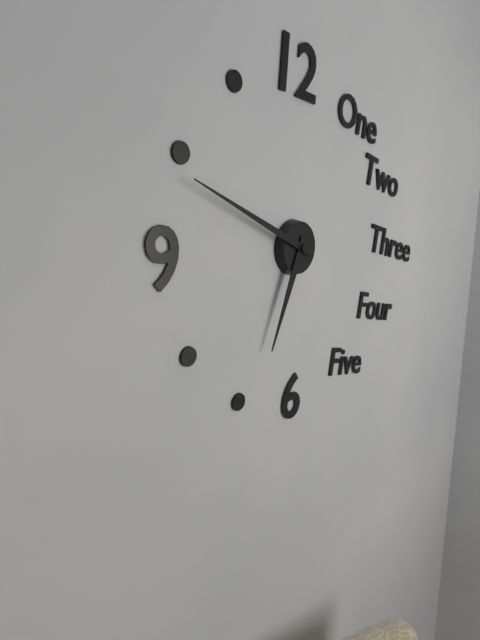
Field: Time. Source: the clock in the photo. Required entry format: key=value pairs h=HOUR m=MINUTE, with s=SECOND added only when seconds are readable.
h=6 m=49
